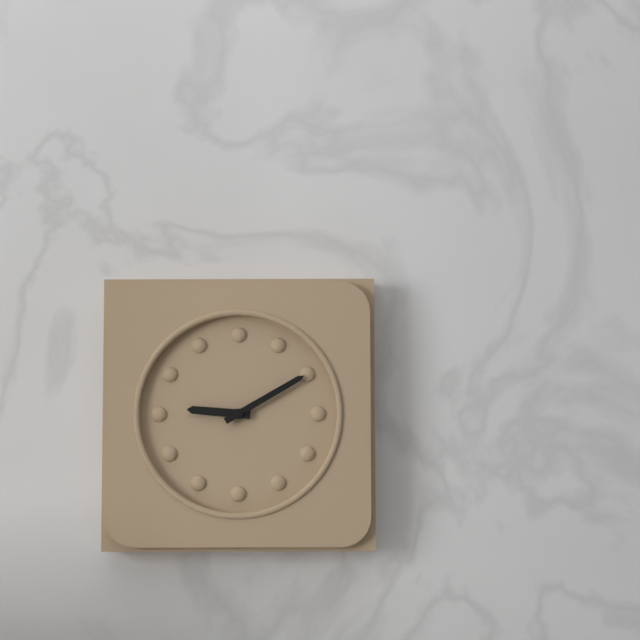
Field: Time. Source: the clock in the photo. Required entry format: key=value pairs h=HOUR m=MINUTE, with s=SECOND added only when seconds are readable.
h=9 m=10
